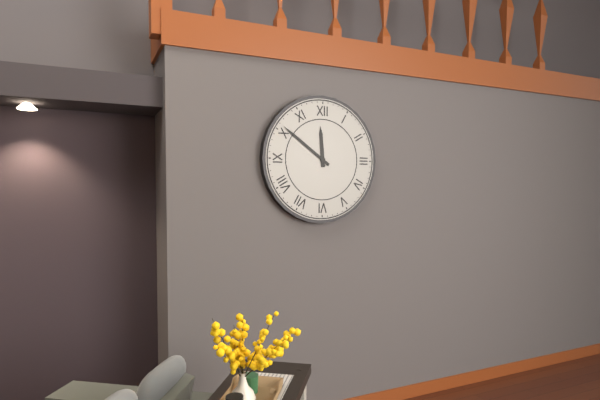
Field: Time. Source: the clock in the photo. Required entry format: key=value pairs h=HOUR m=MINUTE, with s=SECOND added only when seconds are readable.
h=11 m=51
